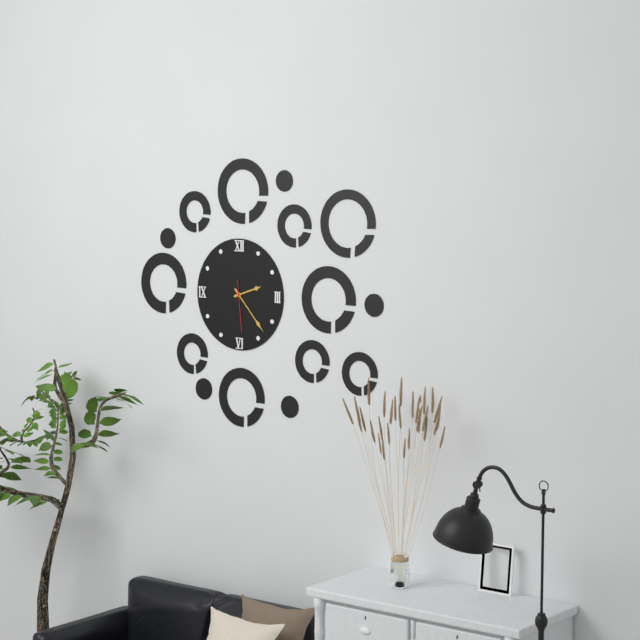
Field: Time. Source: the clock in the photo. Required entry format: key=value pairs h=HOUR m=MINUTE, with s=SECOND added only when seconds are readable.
h=2 m=23
